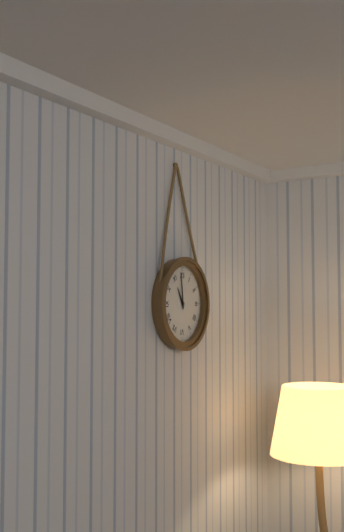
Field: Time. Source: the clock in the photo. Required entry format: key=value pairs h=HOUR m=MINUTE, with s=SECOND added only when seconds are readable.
h=10 m=59
